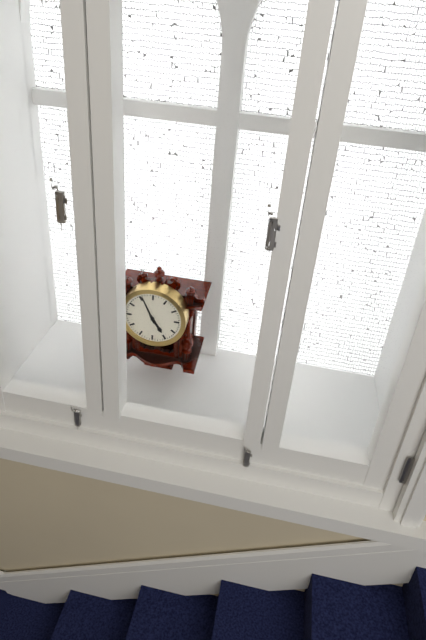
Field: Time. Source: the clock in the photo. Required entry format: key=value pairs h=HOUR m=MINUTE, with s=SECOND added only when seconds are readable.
h=4 m=56
